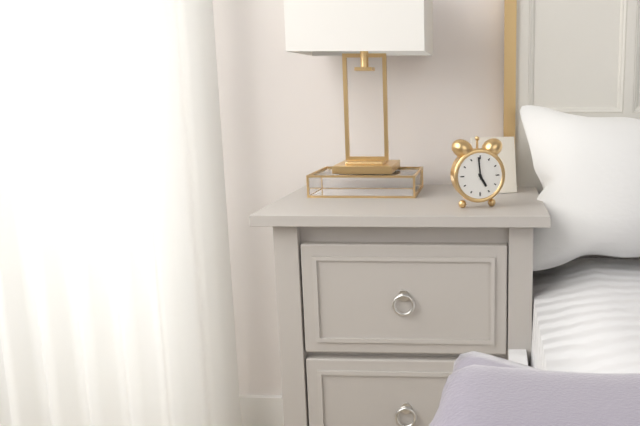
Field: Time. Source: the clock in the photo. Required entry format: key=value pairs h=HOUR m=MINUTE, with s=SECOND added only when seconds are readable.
h=4 m=59
